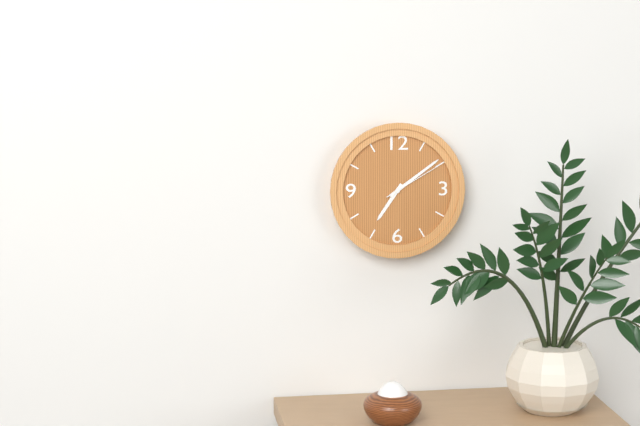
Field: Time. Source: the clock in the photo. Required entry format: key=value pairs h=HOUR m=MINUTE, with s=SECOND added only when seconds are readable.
h=7 m=9 s=10
